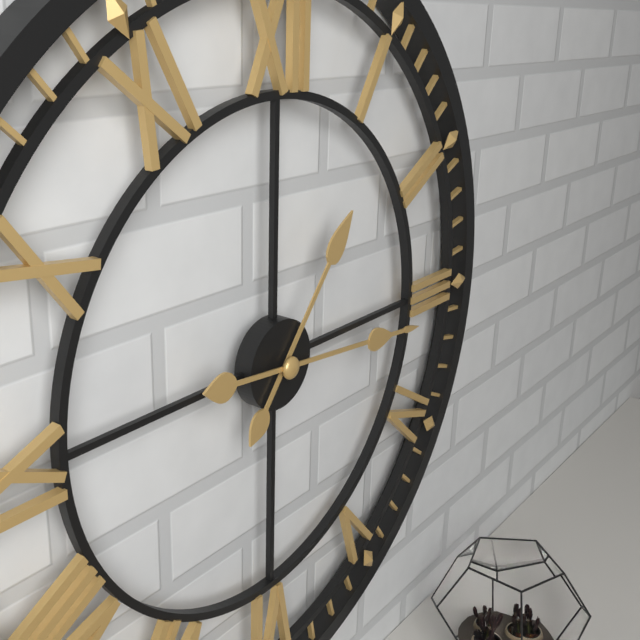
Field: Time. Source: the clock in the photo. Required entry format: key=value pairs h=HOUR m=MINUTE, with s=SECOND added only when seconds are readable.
h=1 m=16
